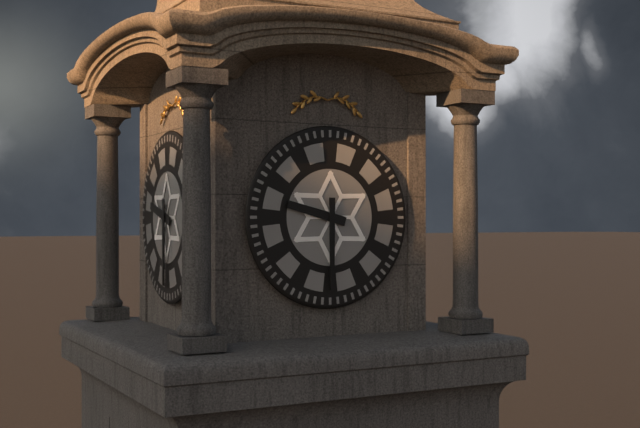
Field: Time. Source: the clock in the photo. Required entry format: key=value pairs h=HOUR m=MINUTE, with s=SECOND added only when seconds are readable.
h=9 m=30
